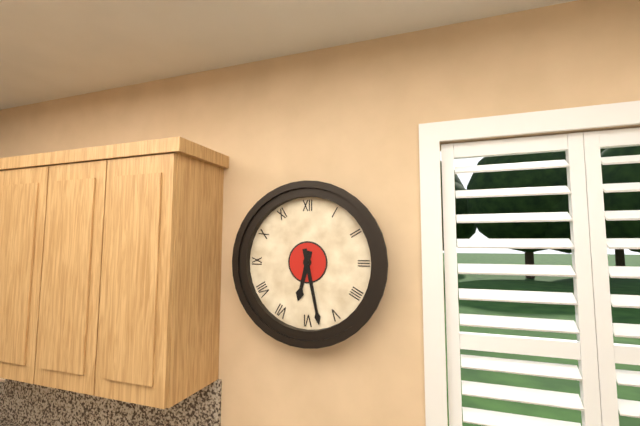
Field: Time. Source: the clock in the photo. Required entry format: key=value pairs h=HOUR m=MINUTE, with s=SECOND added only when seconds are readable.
h=6 m=28
